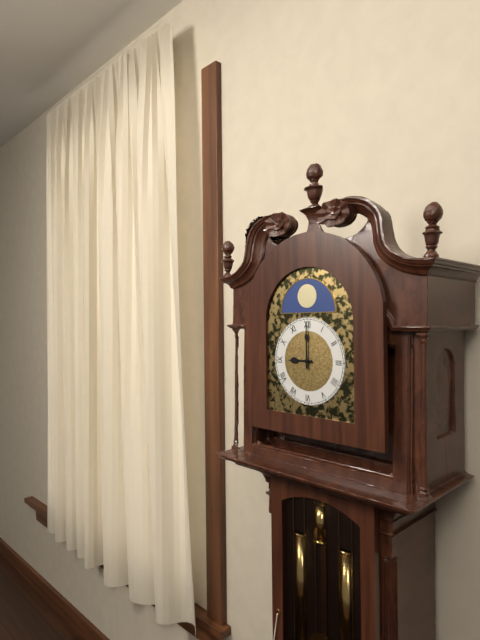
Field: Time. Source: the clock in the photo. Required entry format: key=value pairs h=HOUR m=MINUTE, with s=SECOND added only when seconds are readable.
h=9 m=0
